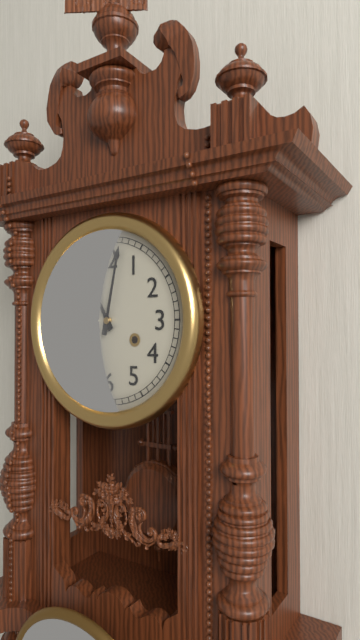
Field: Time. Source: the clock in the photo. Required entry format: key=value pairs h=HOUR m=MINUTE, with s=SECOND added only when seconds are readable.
h=11 m=2
